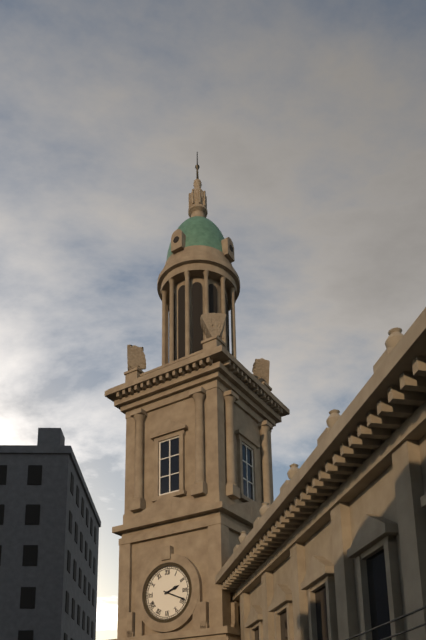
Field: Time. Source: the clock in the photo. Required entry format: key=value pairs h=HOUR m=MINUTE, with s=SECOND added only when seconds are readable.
h=2 m=19
